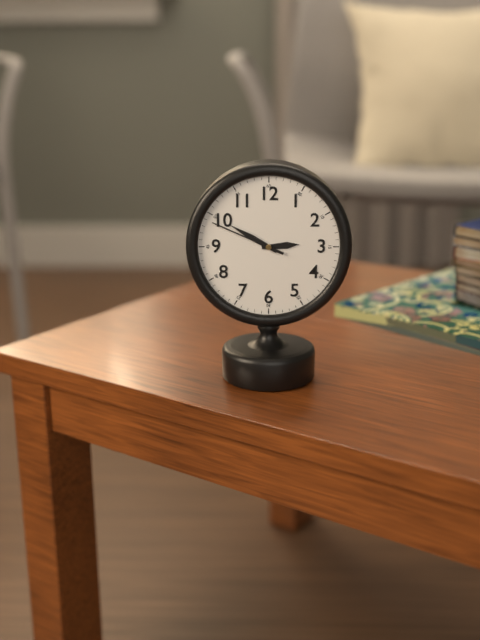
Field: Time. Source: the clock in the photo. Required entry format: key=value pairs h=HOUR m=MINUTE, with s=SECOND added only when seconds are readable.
h=2 m=50 s=49
